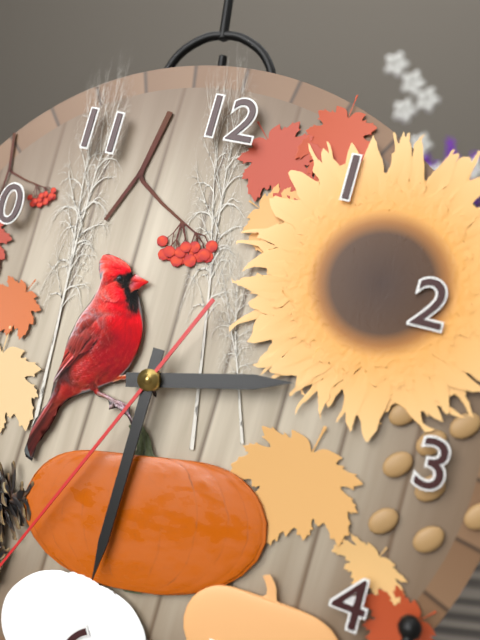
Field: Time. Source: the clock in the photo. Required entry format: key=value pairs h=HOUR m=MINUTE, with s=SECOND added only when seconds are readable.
h=2 m=30
